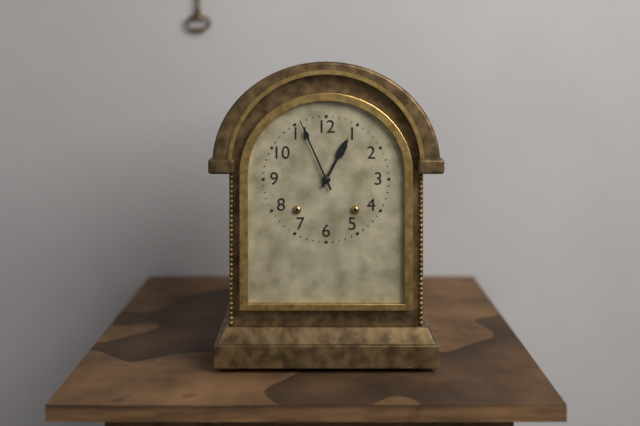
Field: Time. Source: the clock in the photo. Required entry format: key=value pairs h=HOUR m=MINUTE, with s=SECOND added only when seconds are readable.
h=12 m=56
